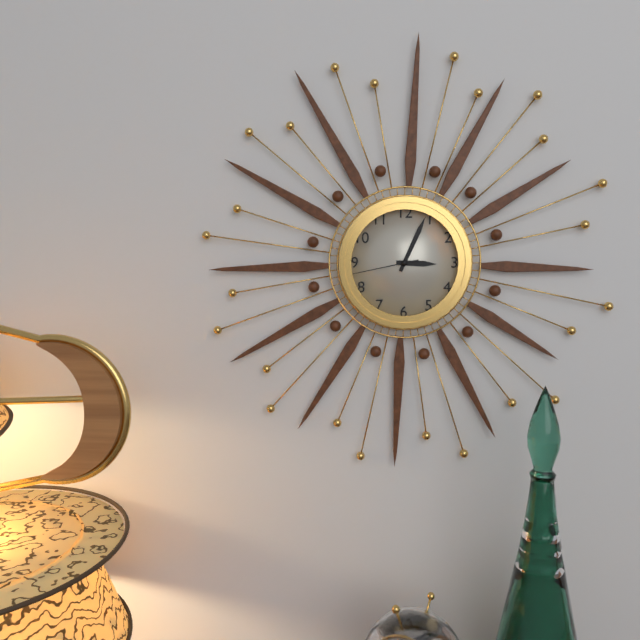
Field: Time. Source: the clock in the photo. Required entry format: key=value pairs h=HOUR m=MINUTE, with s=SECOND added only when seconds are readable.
h=3 m=4 s=43
